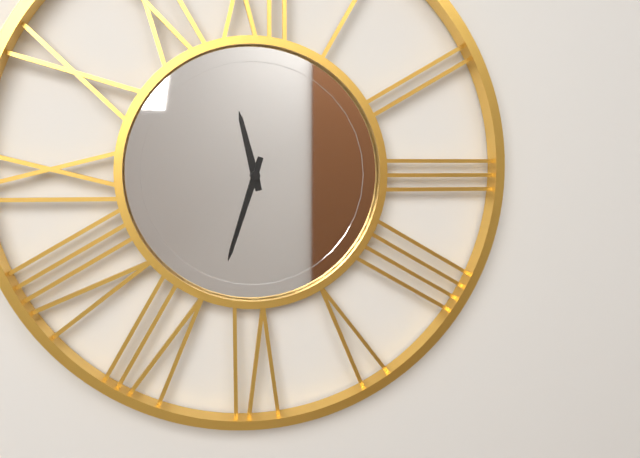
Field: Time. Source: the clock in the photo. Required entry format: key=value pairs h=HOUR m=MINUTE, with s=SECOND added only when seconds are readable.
h=11 m=33
